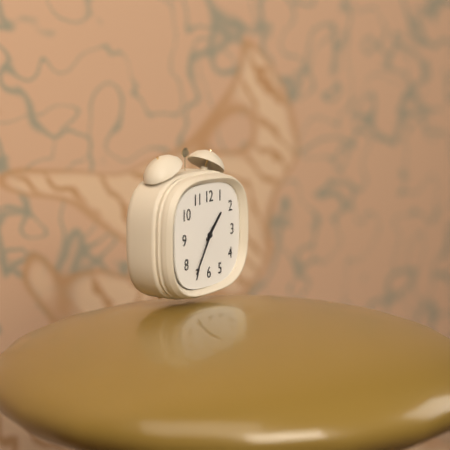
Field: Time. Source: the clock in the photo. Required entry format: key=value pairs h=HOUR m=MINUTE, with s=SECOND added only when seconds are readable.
h=1 m=36
